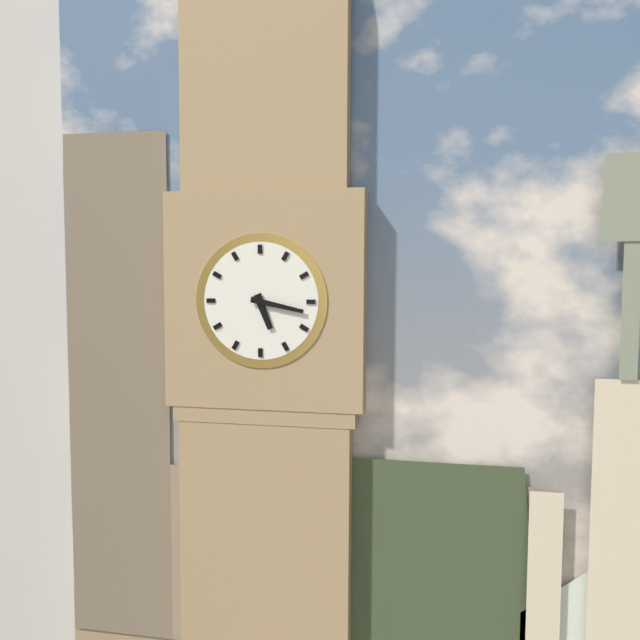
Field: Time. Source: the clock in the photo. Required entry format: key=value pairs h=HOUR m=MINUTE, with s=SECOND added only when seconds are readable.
h=5 m=17
